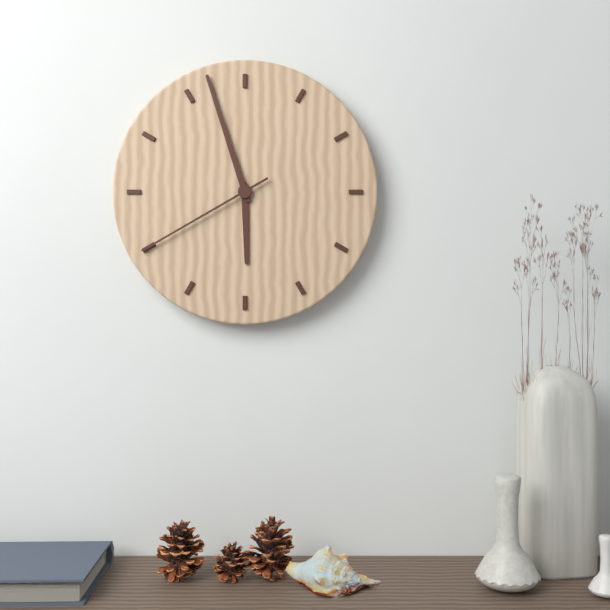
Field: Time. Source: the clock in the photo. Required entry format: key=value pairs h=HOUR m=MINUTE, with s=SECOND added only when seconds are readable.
h=5 m=57 s=40
